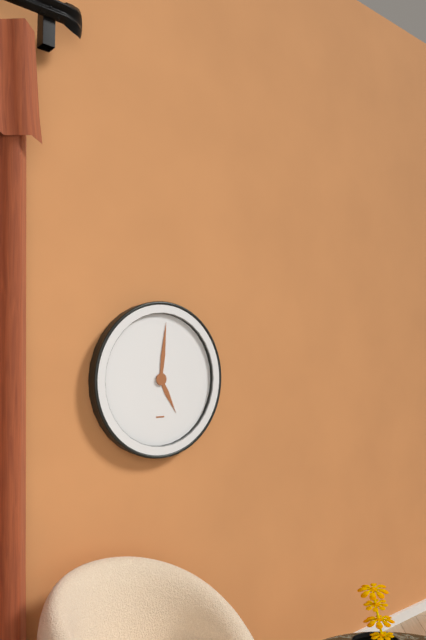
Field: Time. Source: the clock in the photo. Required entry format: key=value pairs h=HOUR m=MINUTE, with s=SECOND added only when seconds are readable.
h=5 m=1
